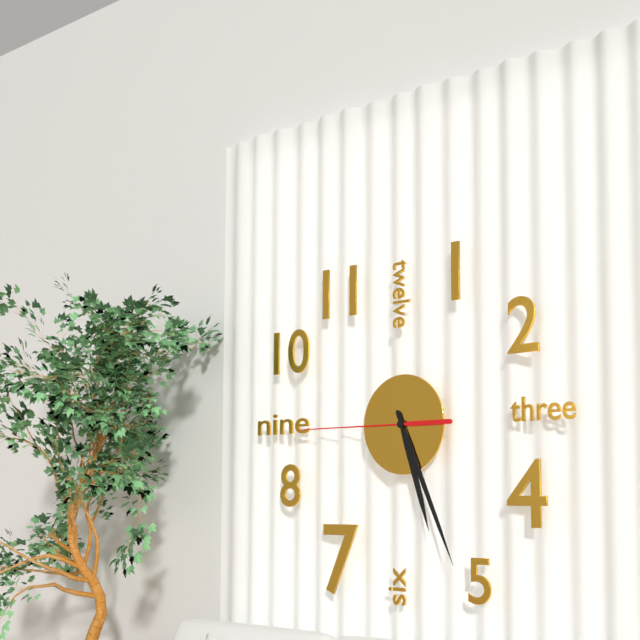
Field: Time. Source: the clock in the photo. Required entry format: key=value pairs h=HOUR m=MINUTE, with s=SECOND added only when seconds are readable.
h=5 m=26 s=45
